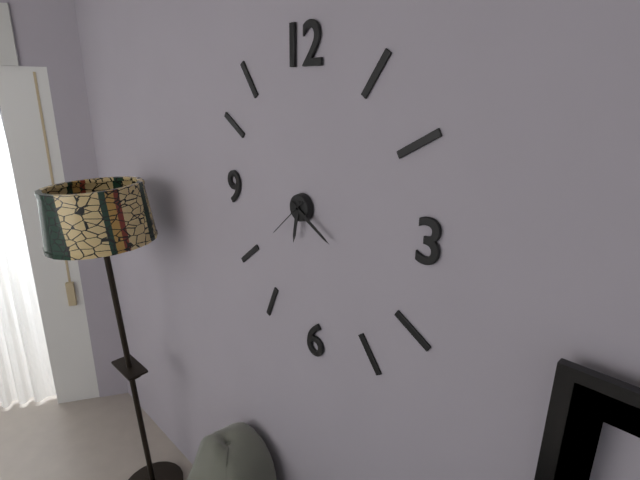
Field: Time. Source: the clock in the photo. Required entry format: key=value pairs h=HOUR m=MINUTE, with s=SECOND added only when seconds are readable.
h=6 m=20
